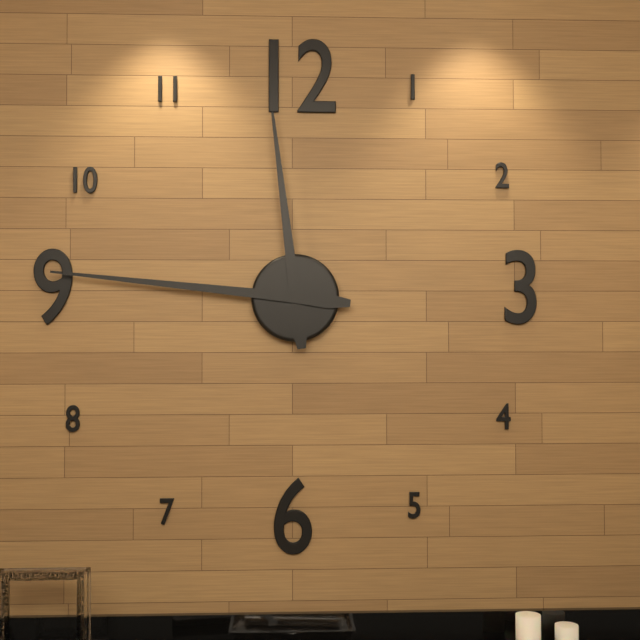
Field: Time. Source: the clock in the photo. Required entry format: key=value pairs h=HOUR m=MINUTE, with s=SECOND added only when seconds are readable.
h=11 m=46
